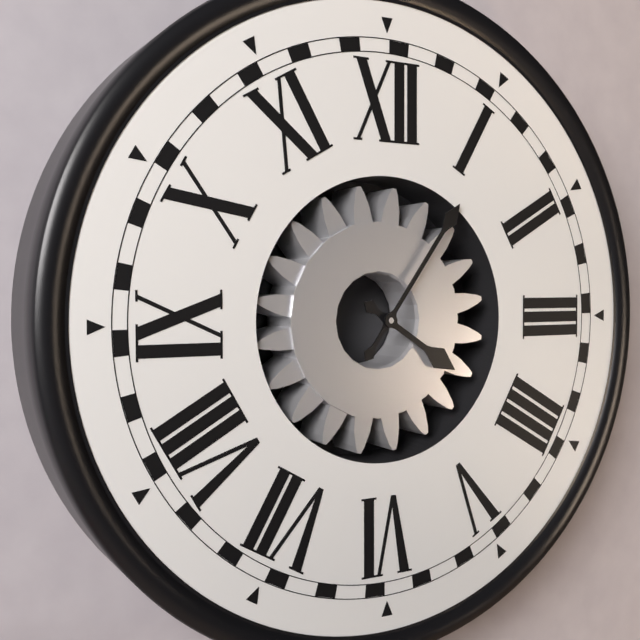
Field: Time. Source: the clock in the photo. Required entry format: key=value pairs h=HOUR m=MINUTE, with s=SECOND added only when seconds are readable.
h=4 m=6
